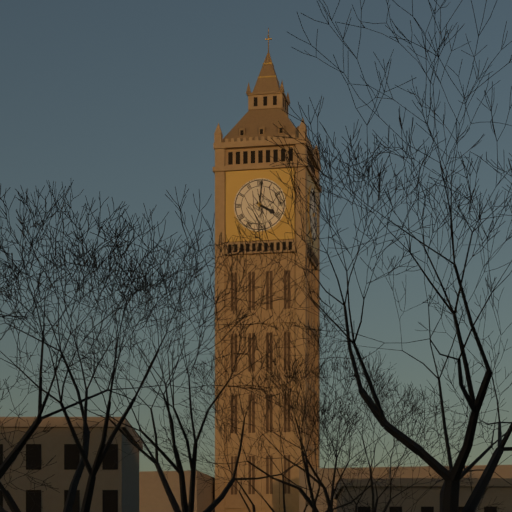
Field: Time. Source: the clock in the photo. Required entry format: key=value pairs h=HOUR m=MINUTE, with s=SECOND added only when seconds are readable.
h=4 m=1
